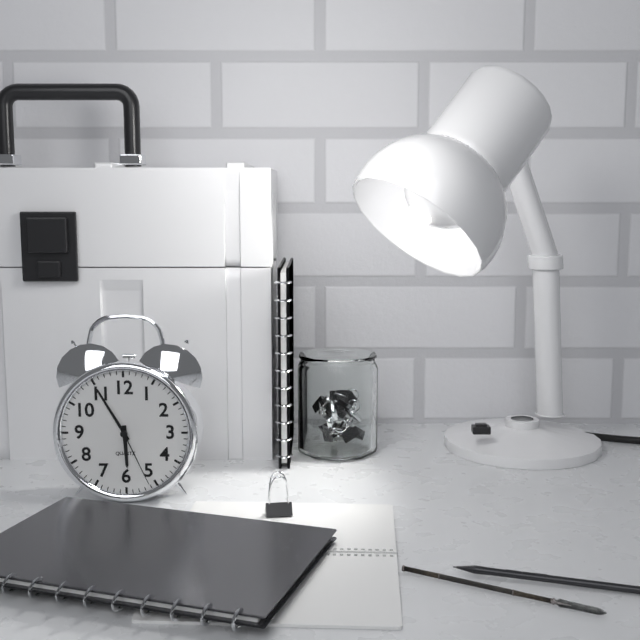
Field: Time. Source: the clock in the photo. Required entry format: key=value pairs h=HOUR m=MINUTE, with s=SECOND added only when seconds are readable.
h=5 m=55 s=26
